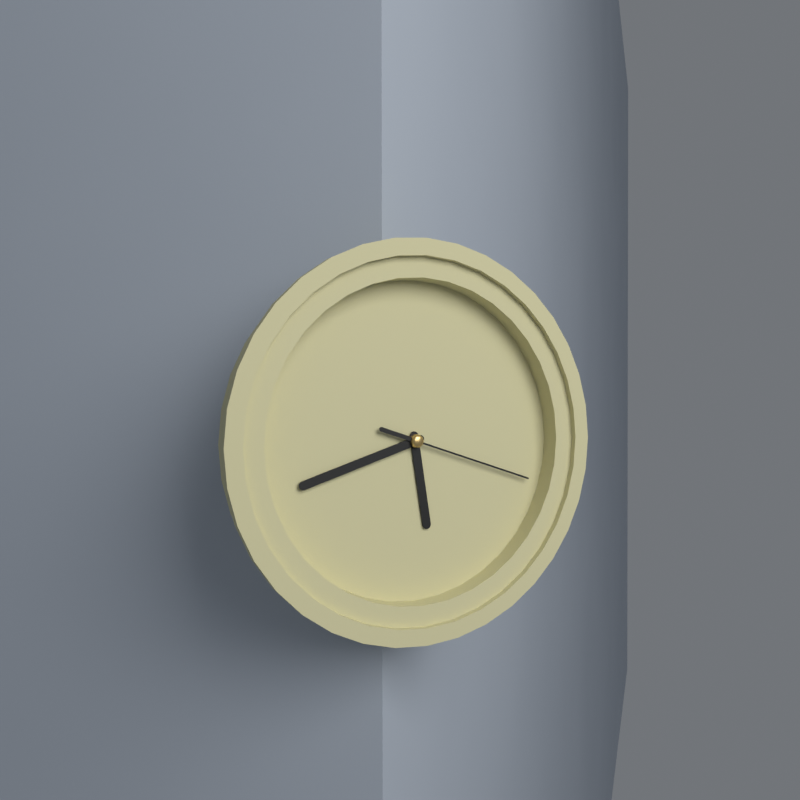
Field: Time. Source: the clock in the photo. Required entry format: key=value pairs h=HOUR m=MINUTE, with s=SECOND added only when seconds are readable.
h=5 m=42 s=18
